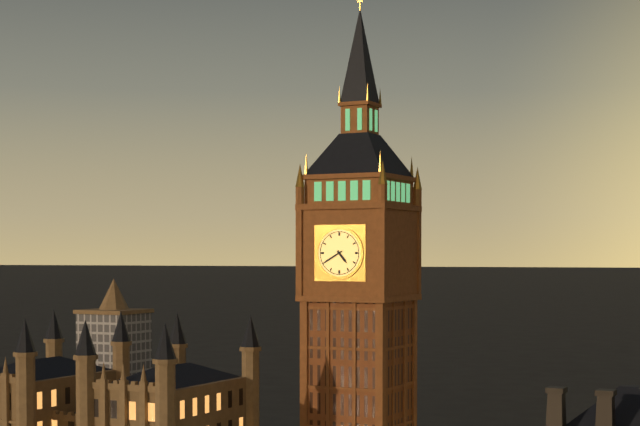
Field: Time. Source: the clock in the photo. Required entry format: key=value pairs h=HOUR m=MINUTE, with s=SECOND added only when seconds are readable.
h=4 m=40
